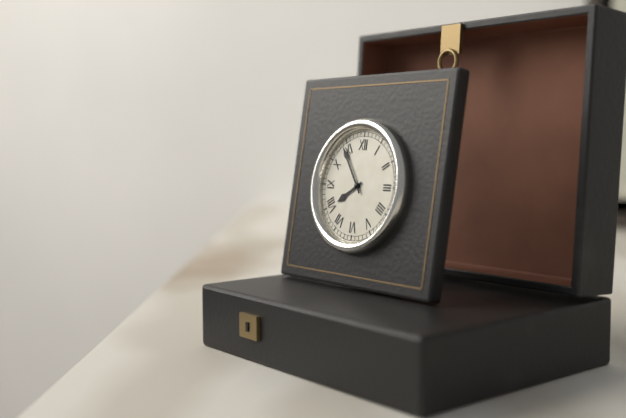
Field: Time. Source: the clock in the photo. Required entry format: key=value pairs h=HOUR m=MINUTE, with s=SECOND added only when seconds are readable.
h=7 m=54
